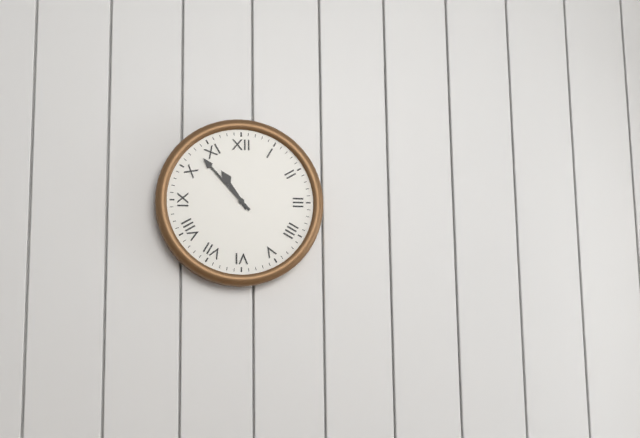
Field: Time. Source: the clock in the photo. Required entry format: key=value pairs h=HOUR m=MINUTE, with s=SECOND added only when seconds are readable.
h=10 m=53
